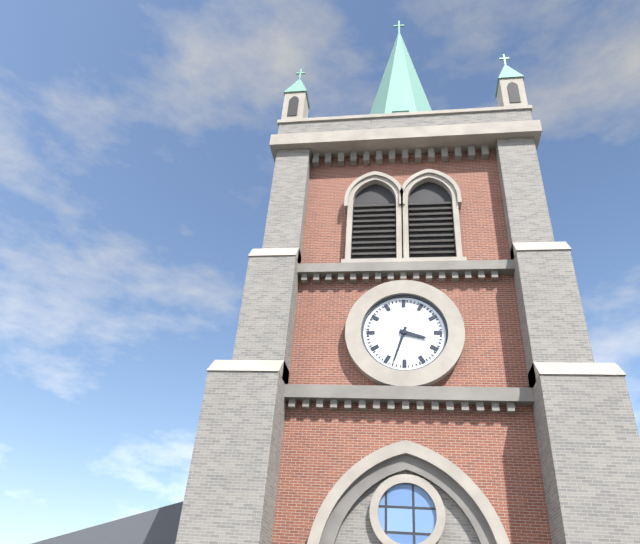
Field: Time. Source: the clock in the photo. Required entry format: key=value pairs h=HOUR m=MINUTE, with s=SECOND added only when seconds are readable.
h=3 m=33
